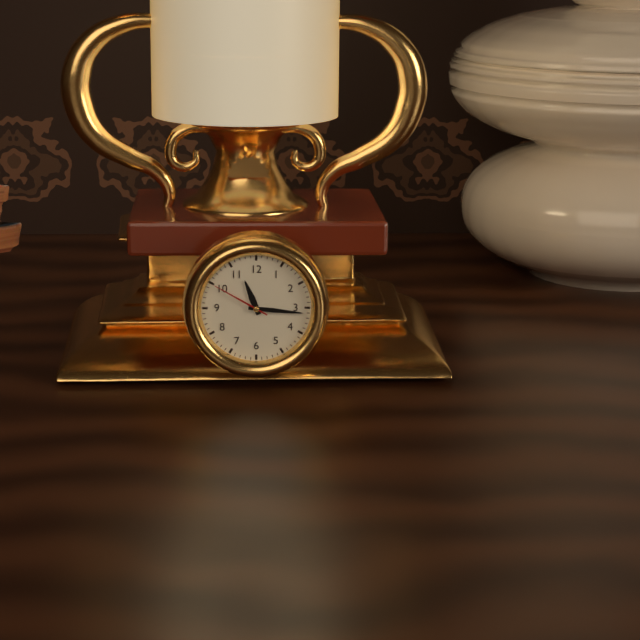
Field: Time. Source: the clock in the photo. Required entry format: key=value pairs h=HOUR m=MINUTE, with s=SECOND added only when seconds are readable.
h=11 m=16 s=50
